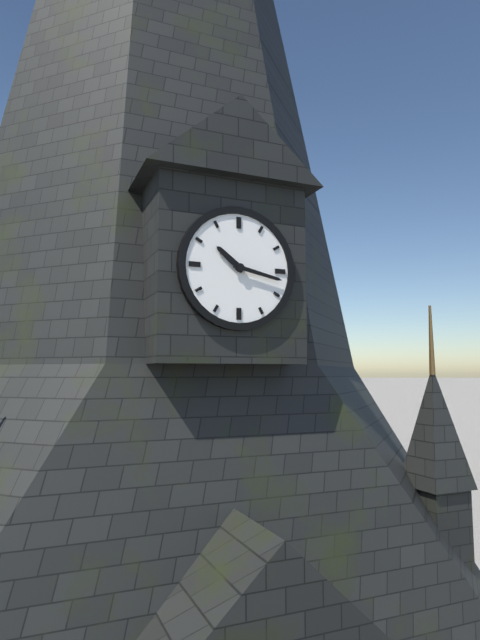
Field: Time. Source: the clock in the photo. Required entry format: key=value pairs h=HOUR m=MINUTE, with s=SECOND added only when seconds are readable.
h=10 m=17
